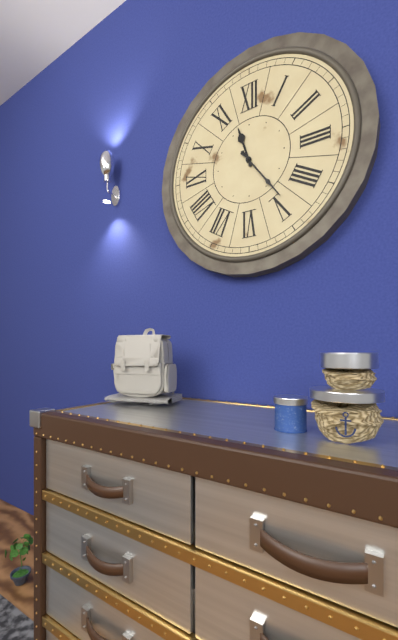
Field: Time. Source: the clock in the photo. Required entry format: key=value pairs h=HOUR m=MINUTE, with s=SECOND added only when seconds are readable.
h=11 m=24
